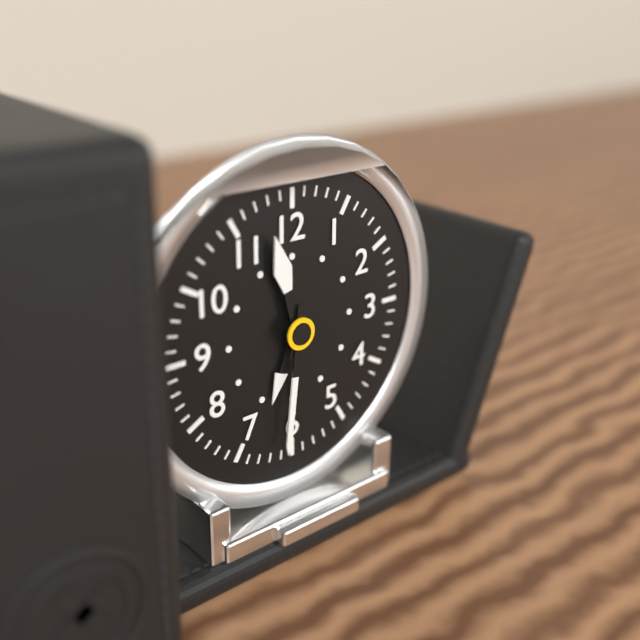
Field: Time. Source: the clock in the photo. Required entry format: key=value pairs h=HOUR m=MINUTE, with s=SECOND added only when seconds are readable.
h=11 m=31
